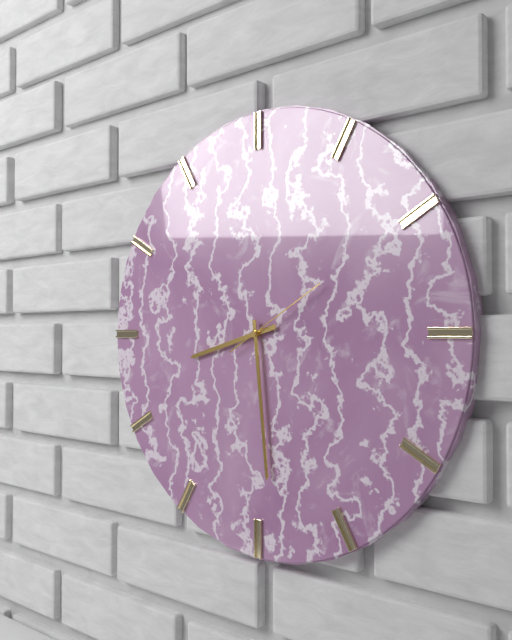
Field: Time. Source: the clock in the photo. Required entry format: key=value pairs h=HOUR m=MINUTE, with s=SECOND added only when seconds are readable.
h=8 m=29 s=10
